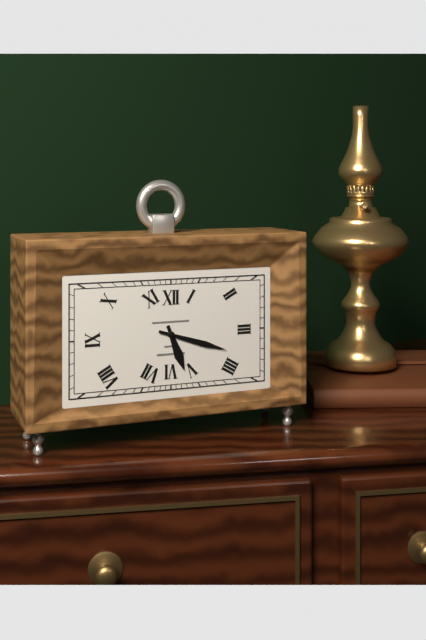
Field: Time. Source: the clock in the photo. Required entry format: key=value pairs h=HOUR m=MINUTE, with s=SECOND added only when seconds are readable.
h=5 m=18
